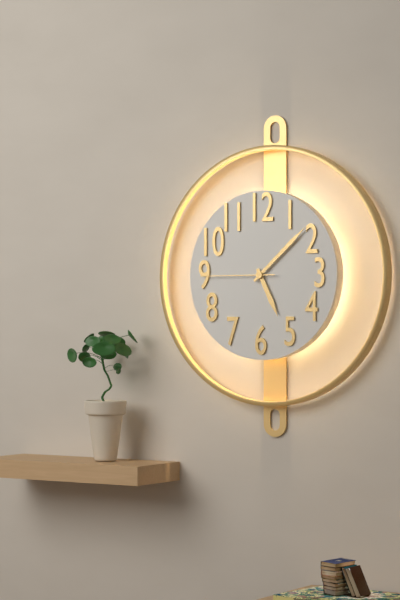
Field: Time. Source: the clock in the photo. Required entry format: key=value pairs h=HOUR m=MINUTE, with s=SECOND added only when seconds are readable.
h=5 m=8 s=45
